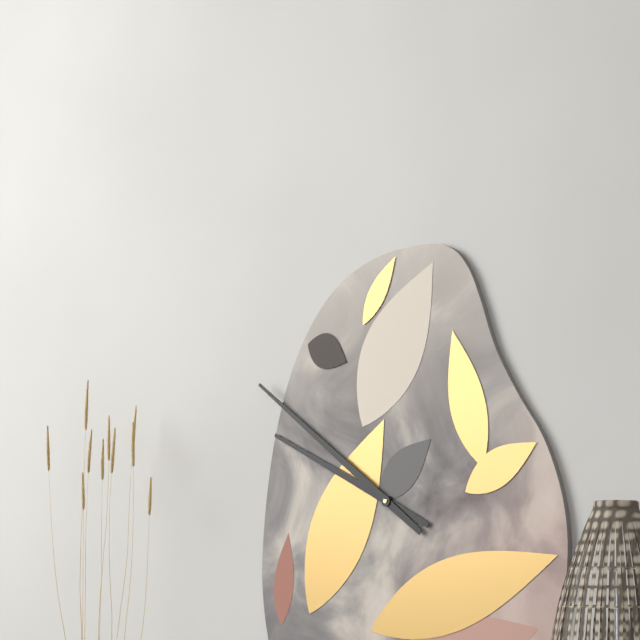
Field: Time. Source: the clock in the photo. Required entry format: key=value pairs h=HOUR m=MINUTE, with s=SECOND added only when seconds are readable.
h=9 m=51
